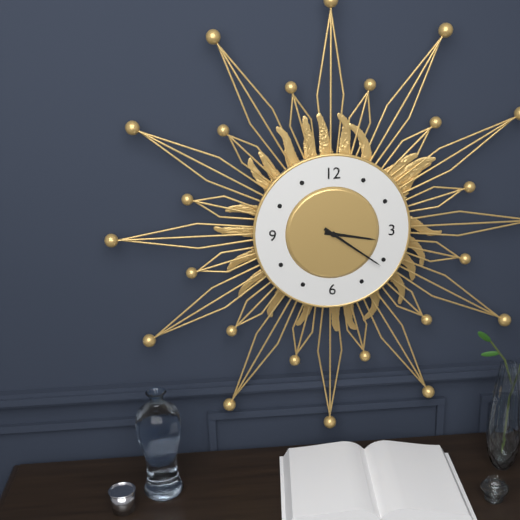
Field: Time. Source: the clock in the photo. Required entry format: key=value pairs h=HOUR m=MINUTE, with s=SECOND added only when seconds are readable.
h=3 m=21
